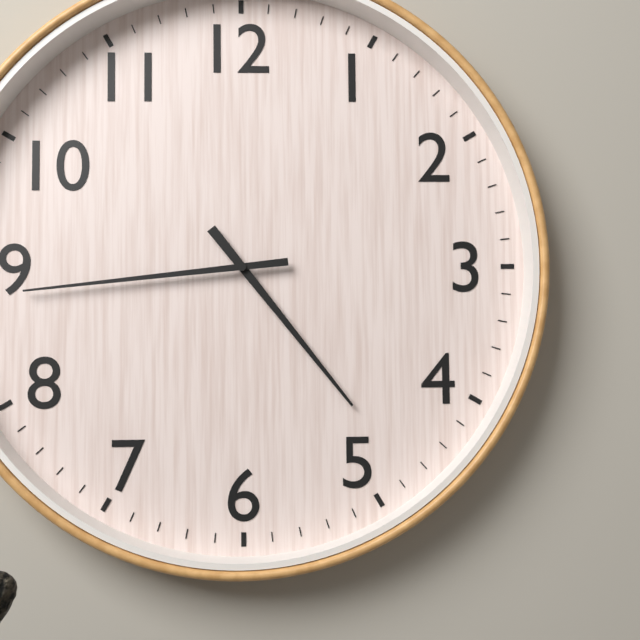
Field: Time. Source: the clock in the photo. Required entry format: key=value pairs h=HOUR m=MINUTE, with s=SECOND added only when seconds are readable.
h=4 m=44
